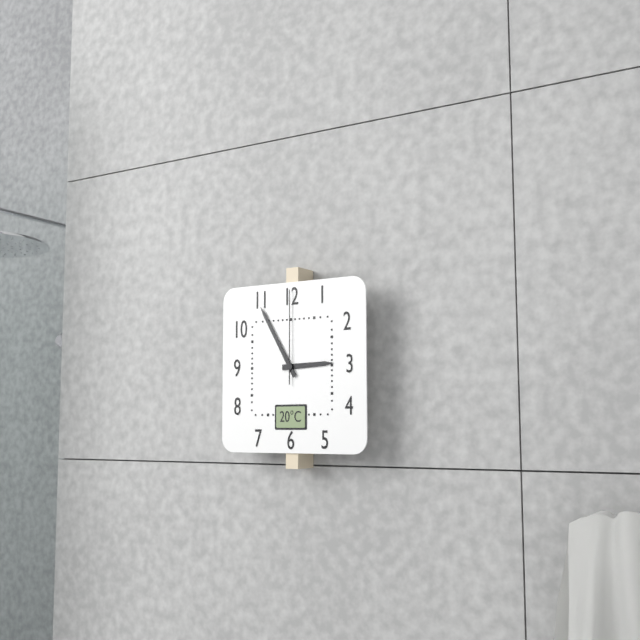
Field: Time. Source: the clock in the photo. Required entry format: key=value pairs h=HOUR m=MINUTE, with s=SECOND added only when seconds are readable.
h=2 m=55 s=0
